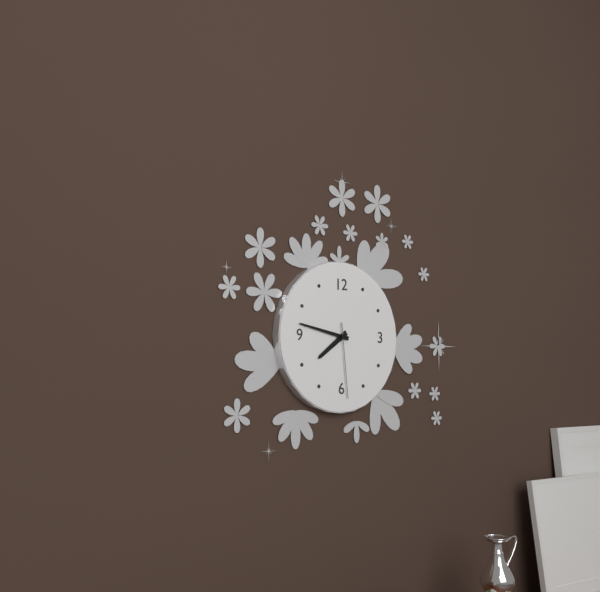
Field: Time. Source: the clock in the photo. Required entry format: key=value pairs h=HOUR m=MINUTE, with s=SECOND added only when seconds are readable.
h=7 m=47 s=29
